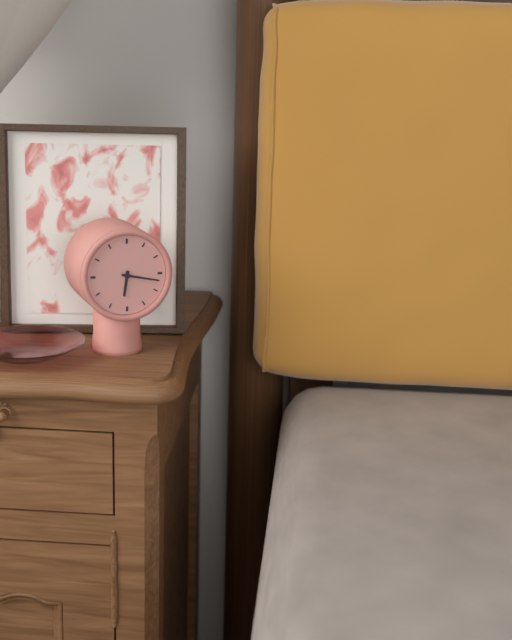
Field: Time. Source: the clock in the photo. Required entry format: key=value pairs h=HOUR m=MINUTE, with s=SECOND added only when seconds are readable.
h=6 m=17
